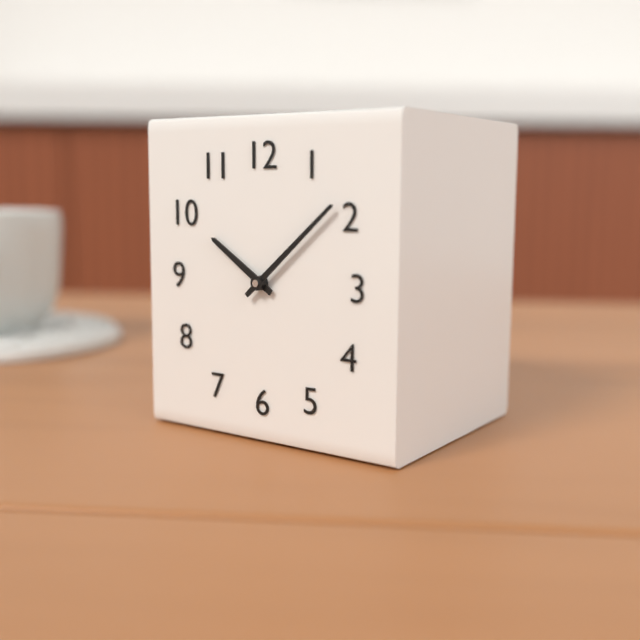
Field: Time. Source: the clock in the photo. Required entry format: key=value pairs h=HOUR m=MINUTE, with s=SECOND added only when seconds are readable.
h=10 m=8
